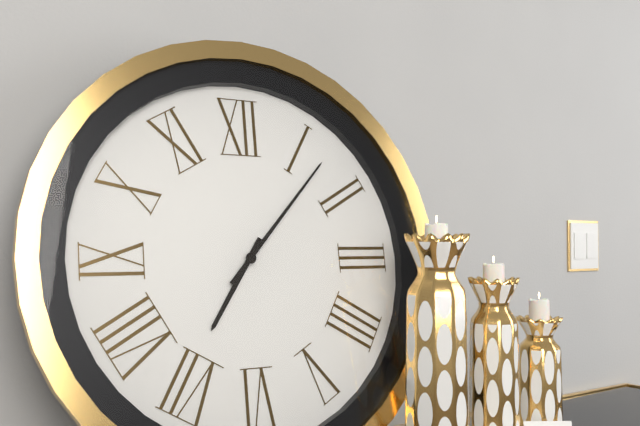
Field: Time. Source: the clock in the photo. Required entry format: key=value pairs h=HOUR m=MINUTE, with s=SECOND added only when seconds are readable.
h=7 m=7
